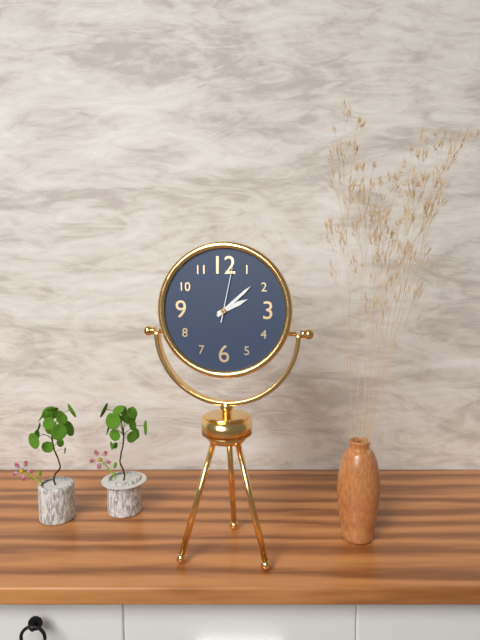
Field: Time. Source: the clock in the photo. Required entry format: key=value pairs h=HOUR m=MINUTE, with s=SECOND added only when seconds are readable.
h=2 m=8 s=2
